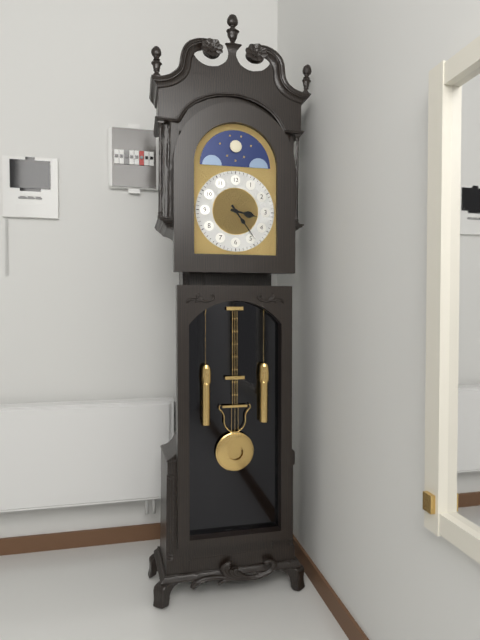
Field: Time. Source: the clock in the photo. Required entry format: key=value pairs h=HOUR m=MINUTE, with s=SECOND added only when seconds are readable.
h=3 m=24
